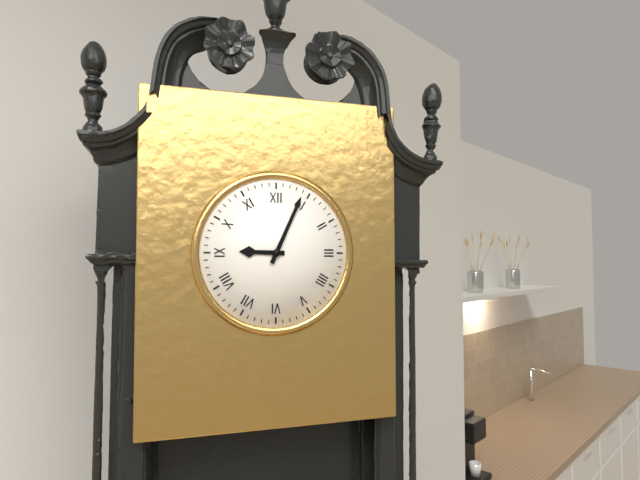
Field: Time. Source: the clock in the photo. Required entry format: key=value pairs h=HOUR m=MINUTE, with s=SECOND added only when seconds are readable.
h=9 m=4
